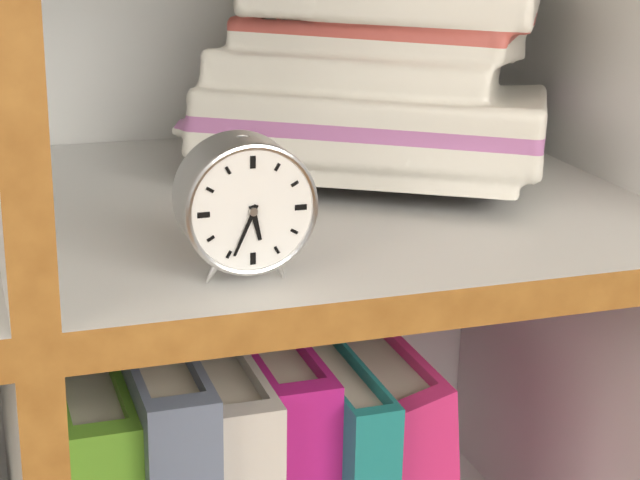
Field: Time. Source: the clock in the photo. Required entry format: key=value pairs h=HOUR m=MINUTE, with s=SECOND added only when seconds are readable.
h=5 m=34
